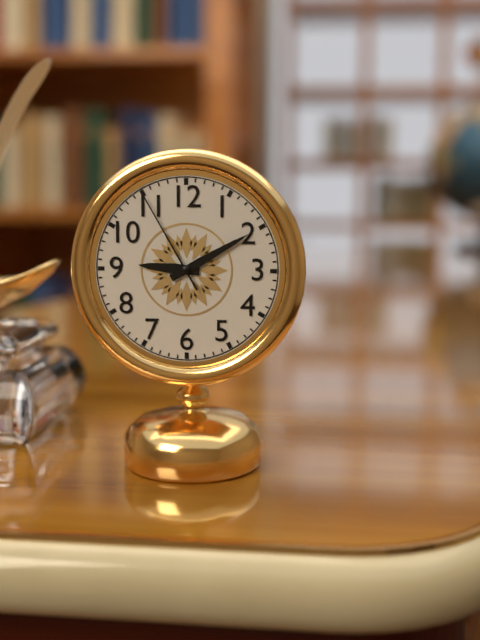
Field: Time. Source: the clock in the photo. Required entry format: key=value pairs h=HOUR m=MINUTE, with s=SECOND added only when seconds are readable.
h=9 m=10 s=55
